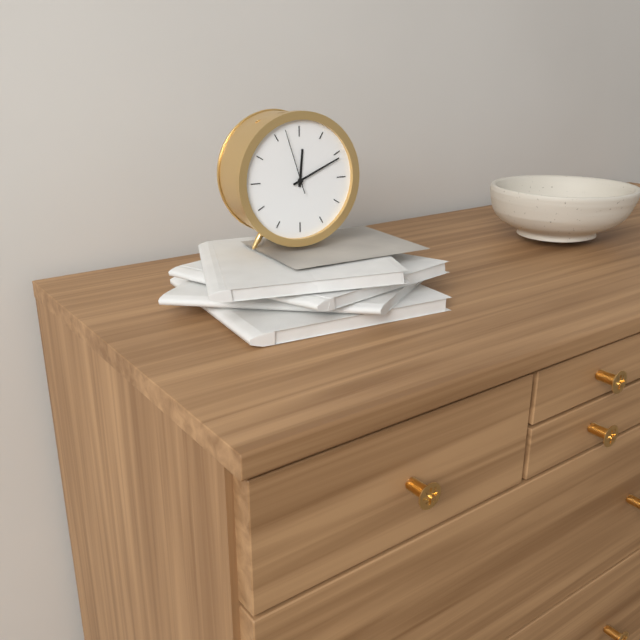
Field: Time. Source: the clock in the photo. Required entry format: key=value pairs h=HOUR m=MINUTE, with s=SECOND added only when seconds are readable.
h=12 m=11 s=57
